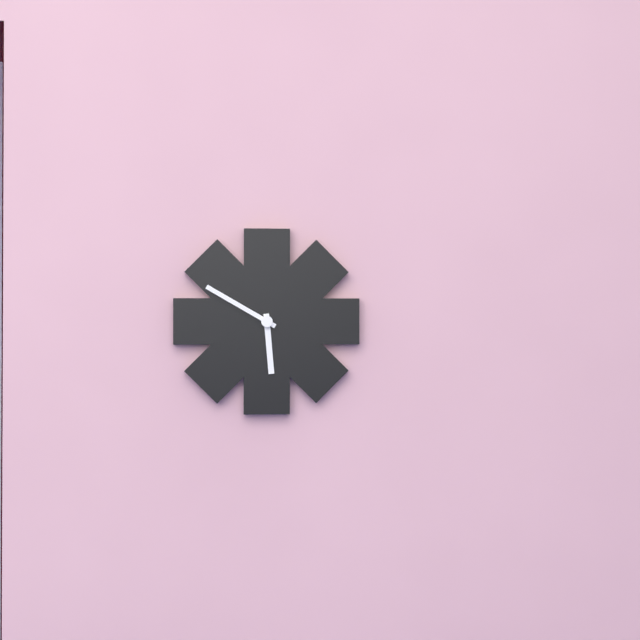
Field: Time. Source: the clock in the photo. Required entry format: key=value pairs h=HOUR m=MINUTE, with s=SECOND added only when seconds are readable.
h=5 m=50
